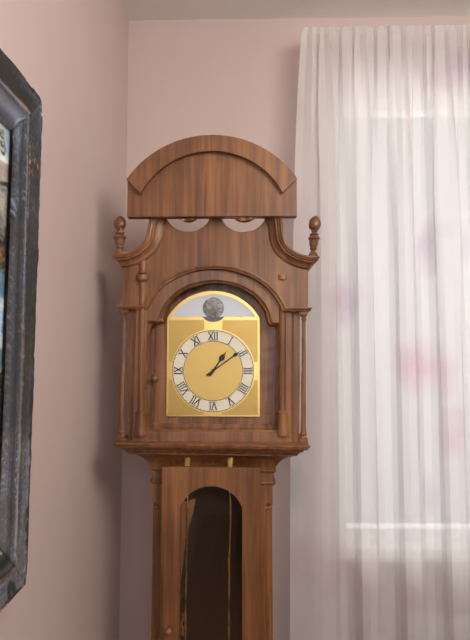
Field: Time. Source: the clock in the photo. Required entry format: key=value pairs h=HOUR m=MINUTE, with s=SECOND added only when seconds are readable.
h=1 m=9
